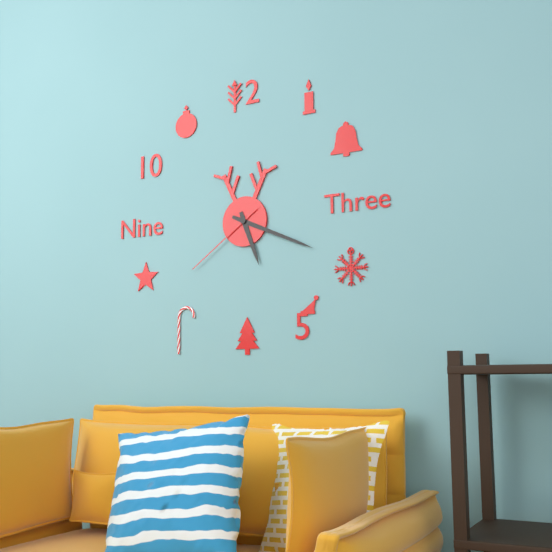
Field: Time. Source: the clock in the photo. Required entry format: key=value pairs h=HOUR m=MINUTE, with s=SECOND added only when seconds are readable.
h=5 m=19 s=39
